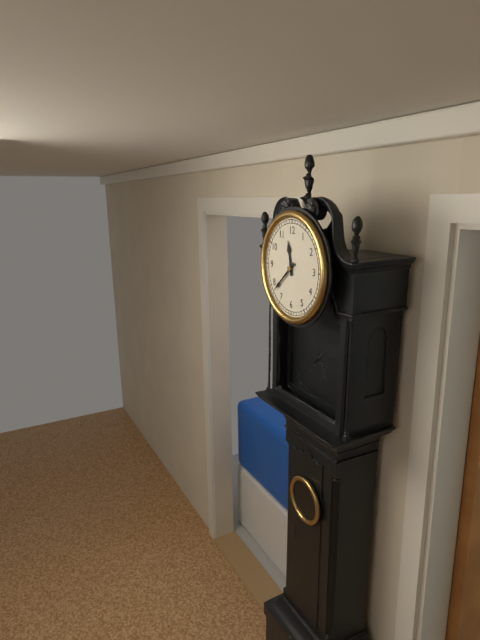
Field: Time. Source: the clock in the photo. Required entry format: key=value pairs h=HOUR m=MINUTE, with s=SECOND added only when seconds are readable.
h=11 m=38
